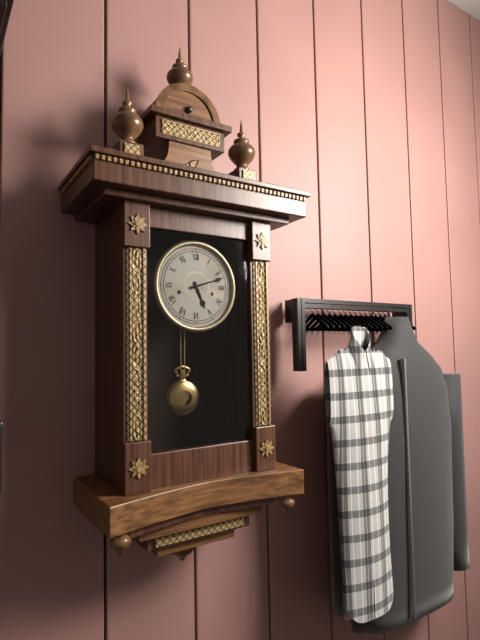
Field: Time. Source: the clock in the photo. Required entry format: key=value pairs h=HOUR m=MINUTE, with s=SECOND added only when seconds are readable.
h=5 m=12
